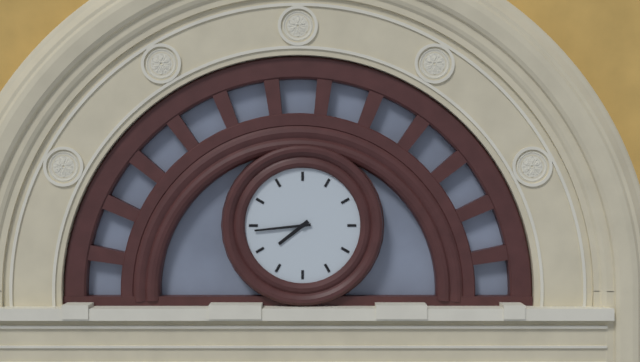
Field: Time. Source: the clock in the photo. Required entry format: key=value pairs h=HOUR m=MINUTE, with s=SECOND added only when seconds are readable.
h=7 m=44
